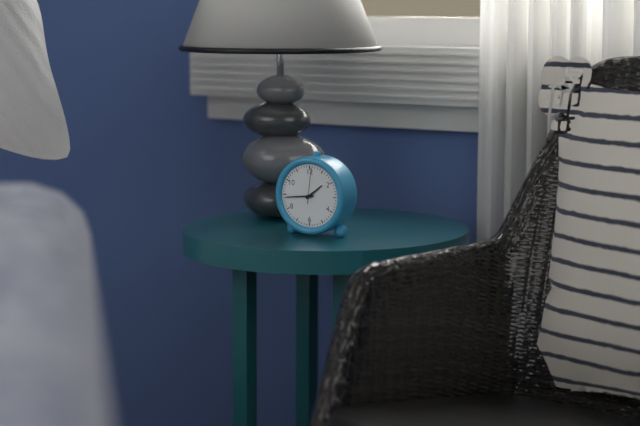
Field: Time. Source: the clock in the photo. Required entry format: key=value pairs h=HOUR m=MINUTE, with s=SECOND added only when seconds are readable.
h=1 m=44
